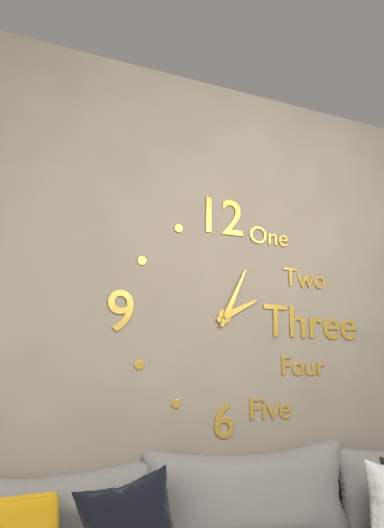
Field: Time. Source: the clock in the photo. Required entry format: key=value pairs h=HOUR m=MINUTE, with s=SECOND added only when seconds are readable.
h=2 m=4
